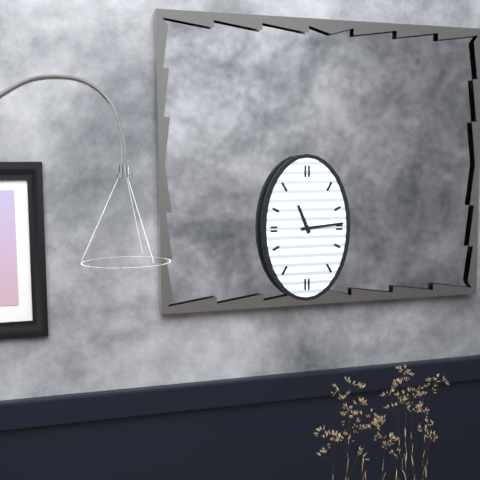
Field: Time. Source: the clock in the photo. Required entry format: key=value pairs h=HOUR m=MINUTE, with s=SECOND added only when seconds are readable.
h=11 m=14
